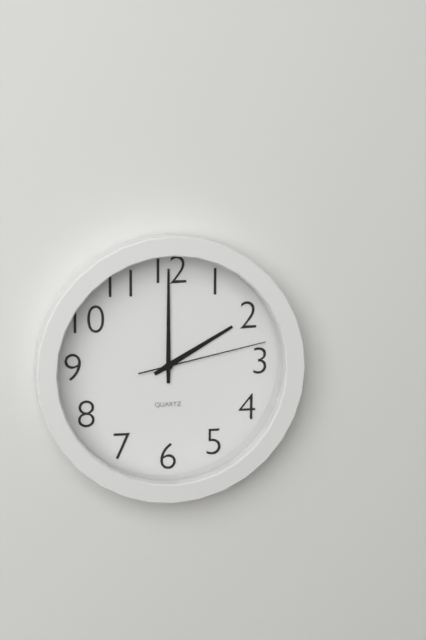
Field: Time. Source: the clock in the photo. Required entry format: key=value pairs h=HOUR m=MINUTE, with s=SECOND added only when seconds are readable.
h=2 m=0 s=13
